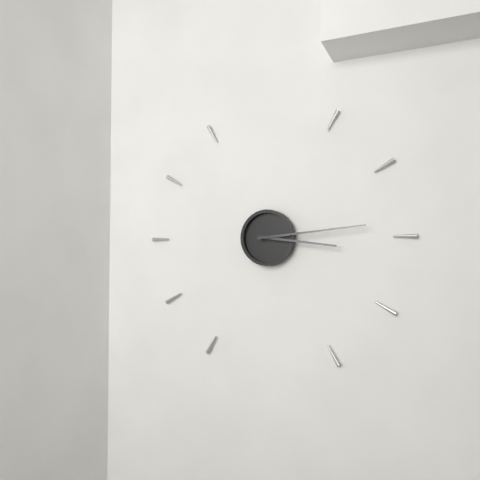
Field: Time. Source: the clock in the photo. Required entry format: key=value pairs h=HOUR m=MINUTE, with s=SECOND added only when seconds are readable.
h=3 m=14
